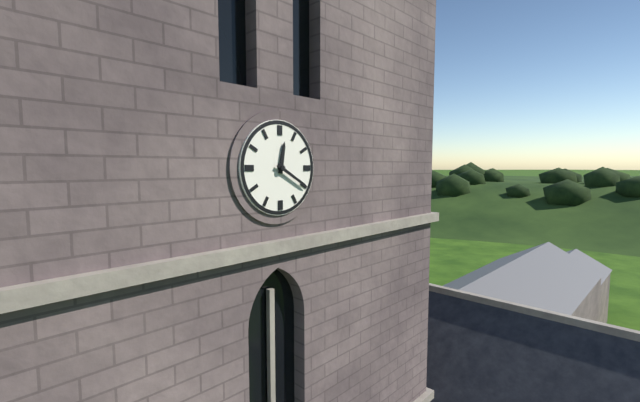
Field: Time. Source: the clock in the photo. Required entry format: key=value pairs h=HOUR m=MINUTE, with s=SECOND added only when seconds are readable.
h=12 m=20
